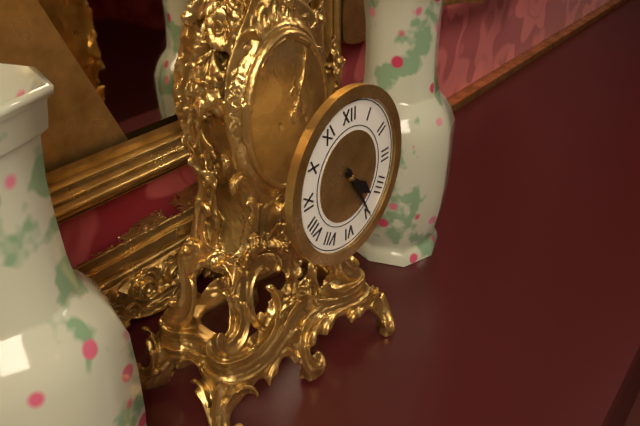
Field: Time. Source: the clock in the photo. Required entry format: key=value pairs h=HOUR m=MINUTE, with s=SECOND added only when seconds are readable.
h=4 m=25
